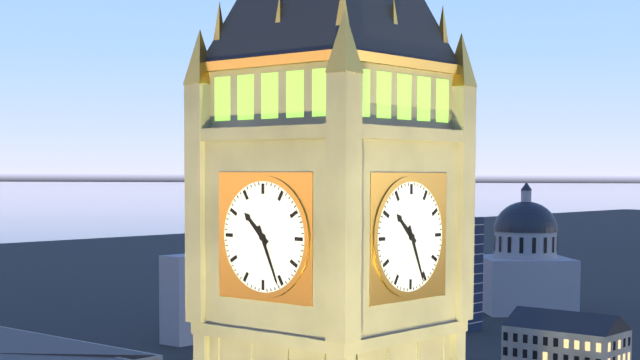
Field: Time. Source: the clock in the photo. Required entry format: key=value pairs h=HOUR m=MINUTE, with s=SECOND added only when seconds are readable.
h=10 m=26
